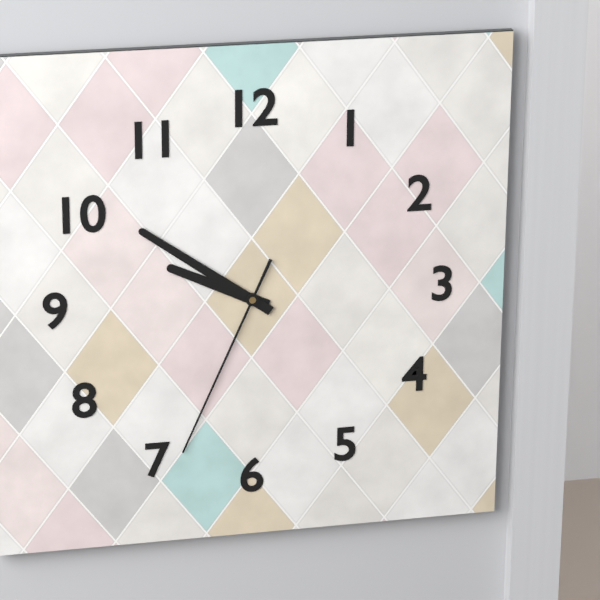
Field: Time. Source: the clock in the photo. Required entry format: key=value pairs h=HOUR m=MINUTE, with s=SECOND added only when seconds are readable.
h=9 m=51 s=34
